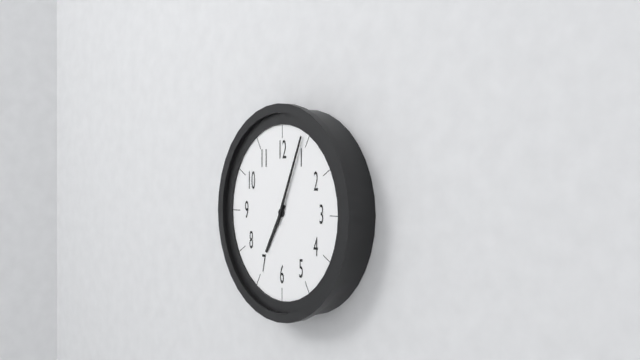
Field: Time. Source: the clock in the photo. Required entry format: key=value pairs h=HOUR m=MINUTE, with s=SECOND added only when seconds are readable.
h=7 m=4
